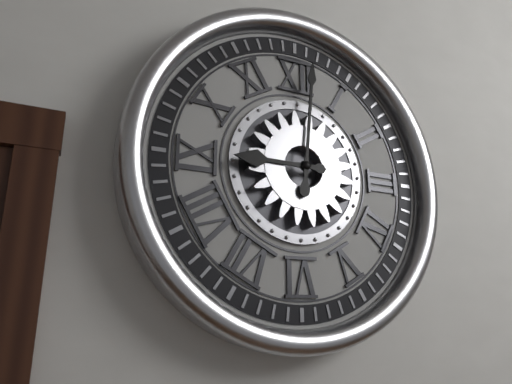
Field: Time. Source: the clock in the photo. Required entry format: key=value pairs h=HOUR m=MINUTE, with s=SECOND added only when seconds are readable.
h=9 m=1
